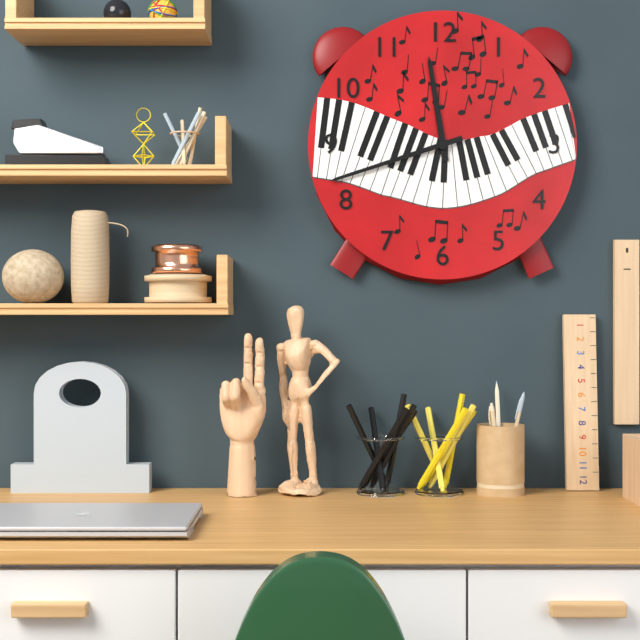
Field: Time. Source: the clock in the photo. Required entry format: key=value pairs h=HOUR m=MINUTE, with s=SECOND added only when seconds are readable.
h=11 m=42
